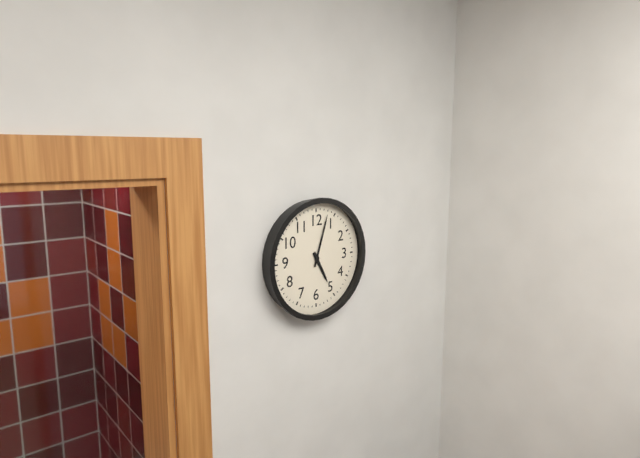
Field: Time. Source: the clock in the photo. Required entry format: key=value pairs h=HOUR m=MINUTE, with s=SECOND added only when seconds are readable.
h=5 m=3
